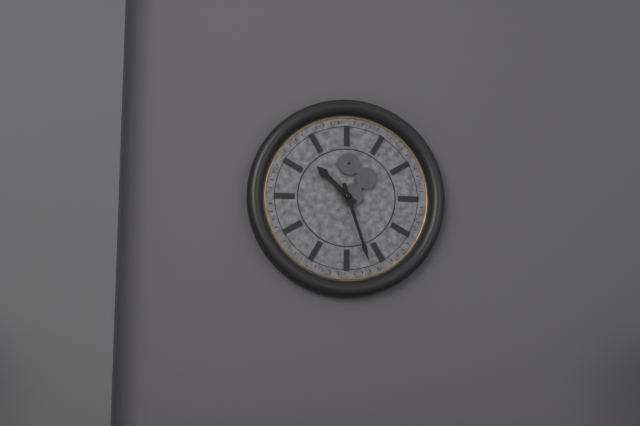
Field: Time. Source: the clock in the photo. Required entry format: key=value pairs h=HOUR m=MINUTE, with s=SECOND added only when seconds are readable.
h=10 m=27
